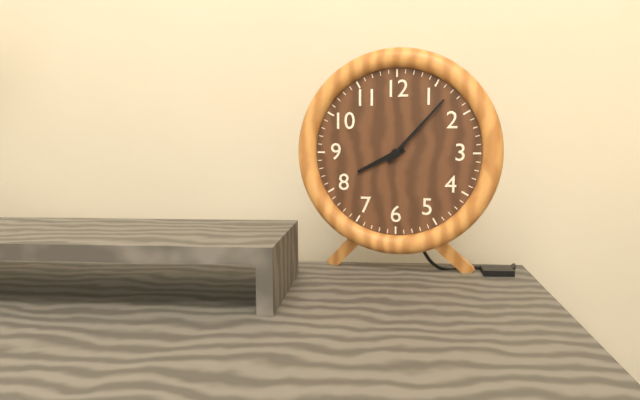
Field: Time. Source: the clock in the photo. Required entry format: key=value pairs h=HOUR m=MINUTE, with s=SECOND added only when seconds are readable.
h=8 m=7
